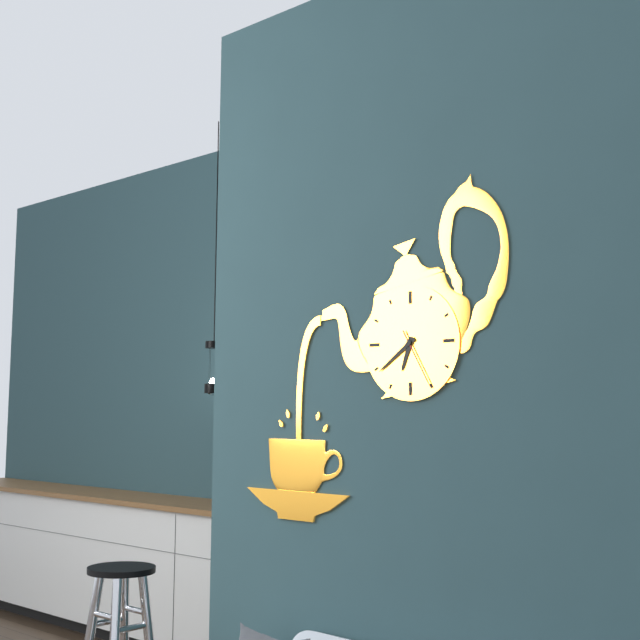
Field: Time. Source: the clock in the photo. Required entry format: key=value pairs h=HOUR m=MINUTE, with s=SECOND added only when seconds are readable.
h=6 m=39 s=25
